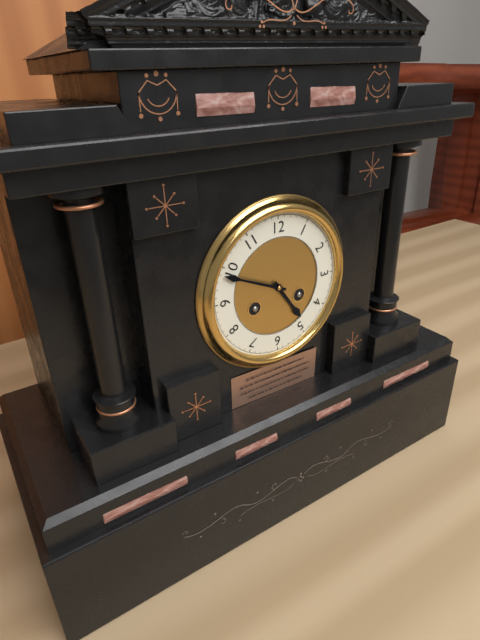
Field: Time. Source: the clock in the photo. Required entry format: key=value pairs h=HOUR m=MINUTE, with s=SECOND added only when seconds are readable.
h=4 m=49
